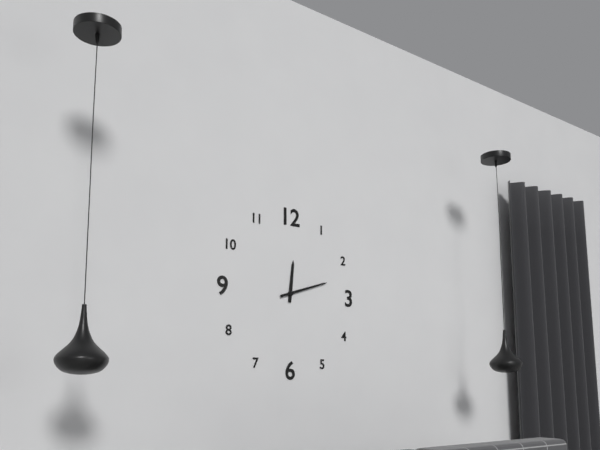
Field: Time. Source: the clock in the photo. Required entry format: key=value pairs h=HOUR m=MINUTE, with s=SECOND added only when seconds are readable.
h=12 m=12
